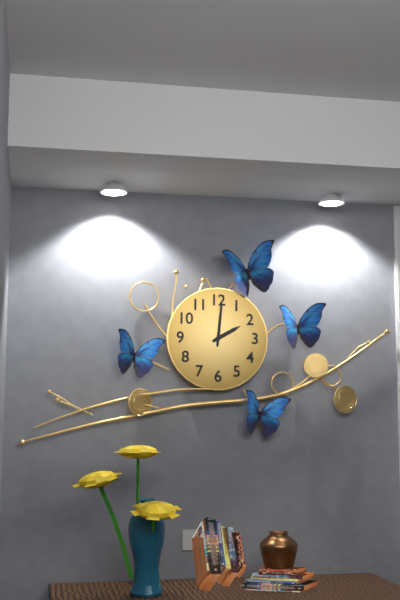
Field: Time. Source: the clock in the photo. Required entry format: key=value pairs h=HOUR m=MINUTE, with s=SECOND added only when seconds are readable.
h=2 m=1
